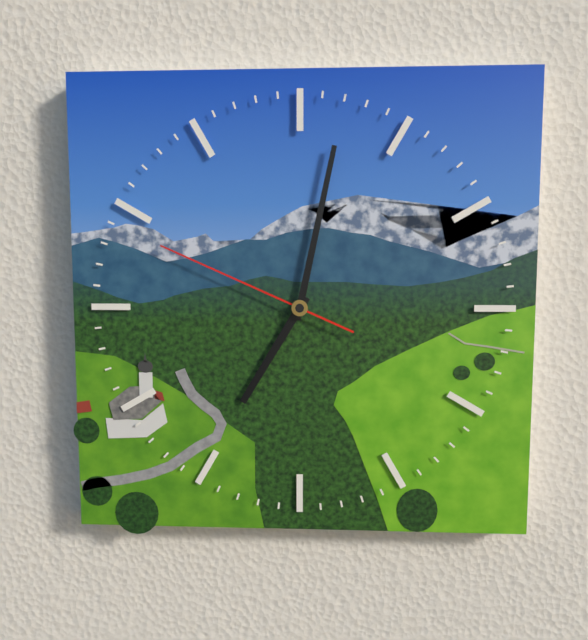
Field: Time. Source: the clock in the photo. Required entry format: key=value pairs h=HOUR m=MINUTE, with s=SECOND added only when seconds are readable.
h=7 m=2 s=49
